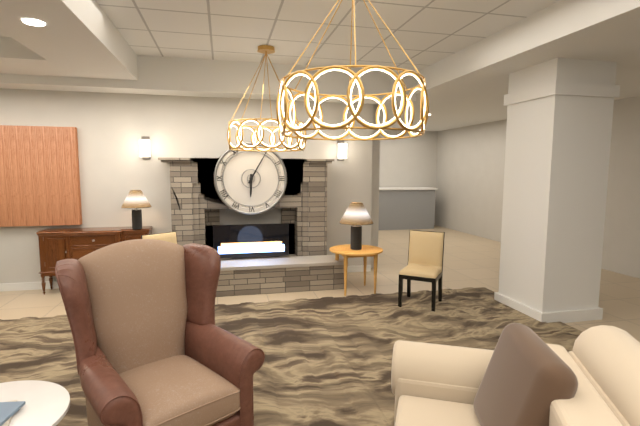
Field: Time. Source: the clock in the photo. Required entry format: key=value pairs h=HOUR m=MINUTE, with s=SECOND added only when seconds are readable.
h=6 m=5
